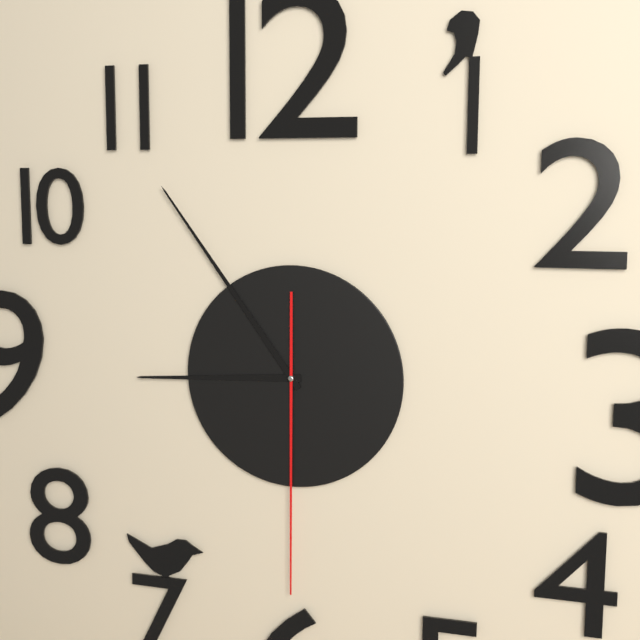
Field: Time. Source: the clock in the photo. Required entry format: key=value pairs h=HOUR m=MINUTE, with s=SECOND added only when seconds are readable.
h=8 m=54 s=30
